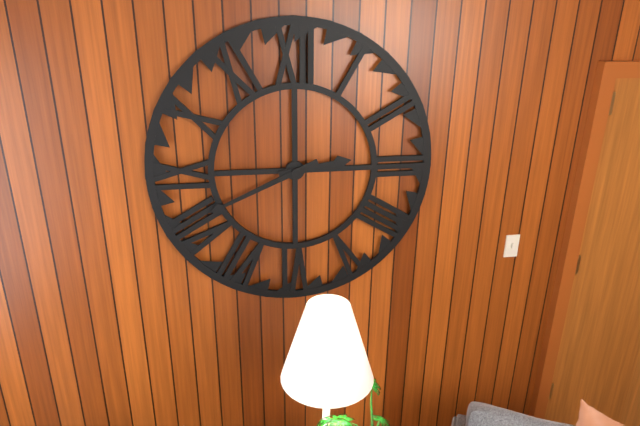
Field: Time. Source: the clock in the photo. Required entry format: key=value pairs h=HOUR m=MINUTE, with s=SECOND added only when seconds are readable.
h=2 m=41
